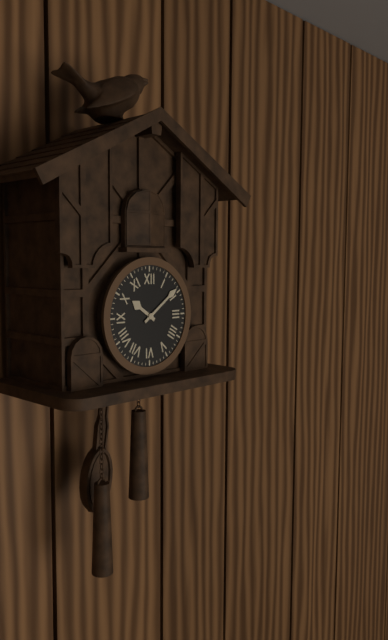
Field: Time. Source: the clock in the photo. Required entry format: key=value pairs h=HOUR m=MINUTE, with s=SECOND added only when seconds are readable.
h=10 m=9
